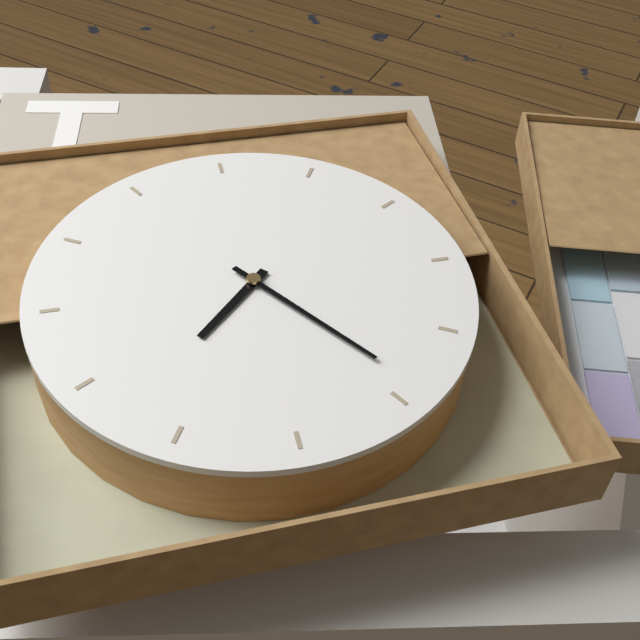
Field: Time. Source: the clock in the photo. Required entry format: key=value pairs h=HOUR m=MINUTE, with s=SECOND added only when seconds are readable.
h=8 m=29
